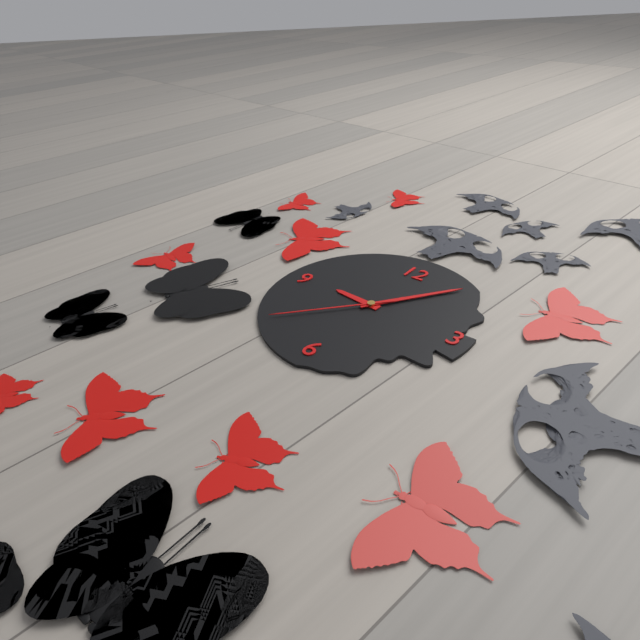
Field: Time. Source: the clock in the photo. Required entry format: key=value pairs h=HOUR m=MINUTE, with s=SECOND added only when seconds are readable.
h=9 m=6 s=37
